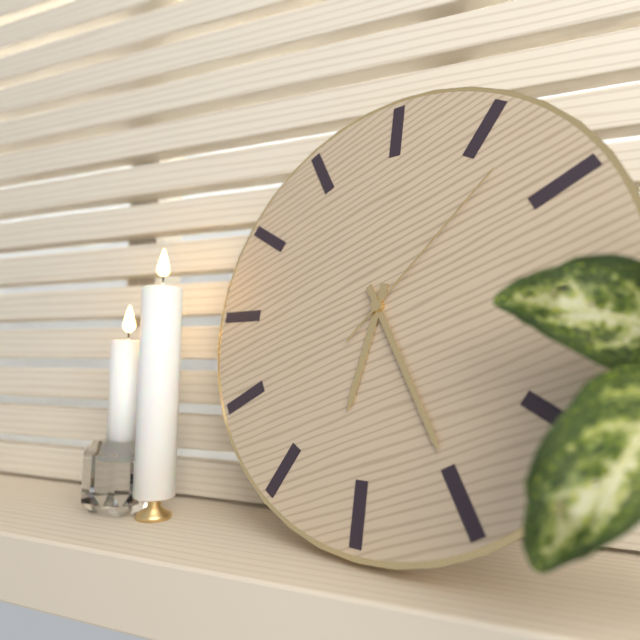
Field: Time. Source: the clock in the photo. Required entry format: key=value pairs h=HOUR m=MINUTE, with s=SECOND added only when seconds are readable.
h=6 m=25 s=7
